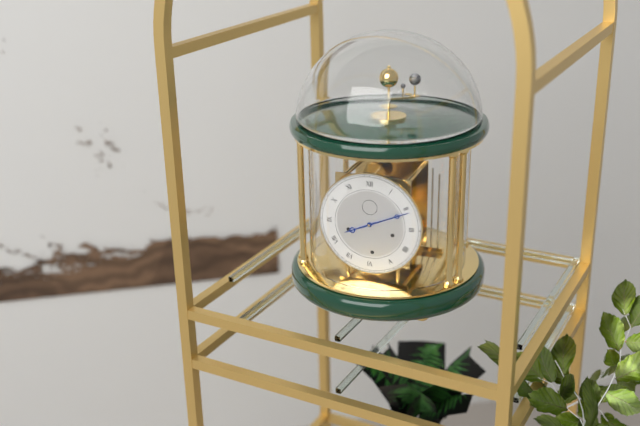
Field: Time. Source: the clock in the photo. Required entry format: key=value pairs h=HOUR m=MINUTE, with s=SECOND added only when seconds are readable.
h=8 m=11
